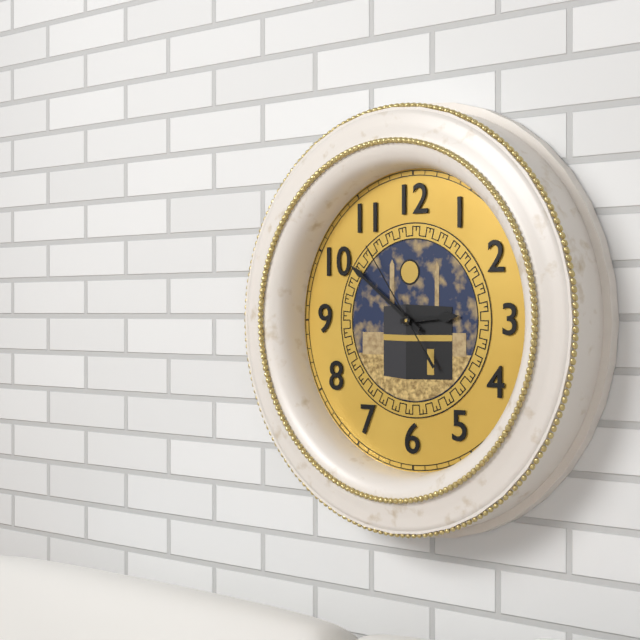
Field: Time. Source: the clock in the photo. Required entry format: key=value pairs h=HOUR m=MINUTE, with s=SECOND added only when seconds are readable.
h=2 m=51 s=54
